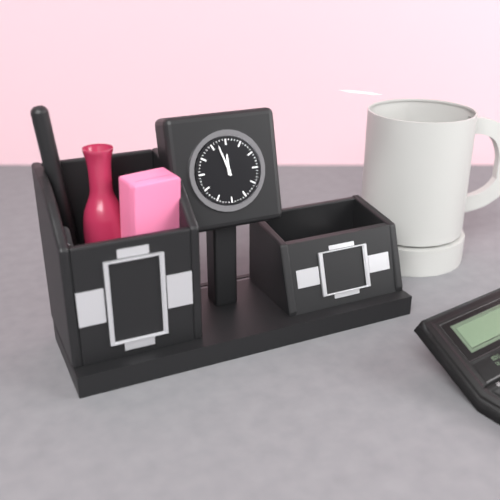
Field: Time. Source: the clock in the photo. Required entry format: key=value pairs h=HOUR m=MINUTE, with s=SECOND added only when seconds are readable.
h=11 m=57
